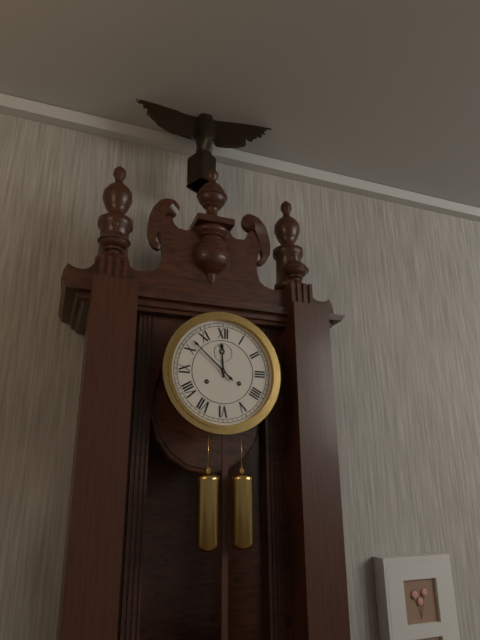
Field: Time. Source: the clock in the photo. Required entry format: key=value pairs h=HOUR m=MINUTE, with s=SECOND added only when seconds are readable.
h=11 m=52
